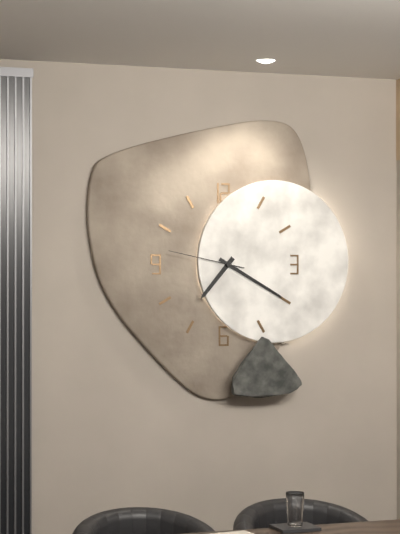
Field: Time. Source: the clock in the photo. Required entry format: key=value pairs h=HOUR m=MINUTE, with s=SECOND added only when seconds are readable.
h=7 m=20 s=47
